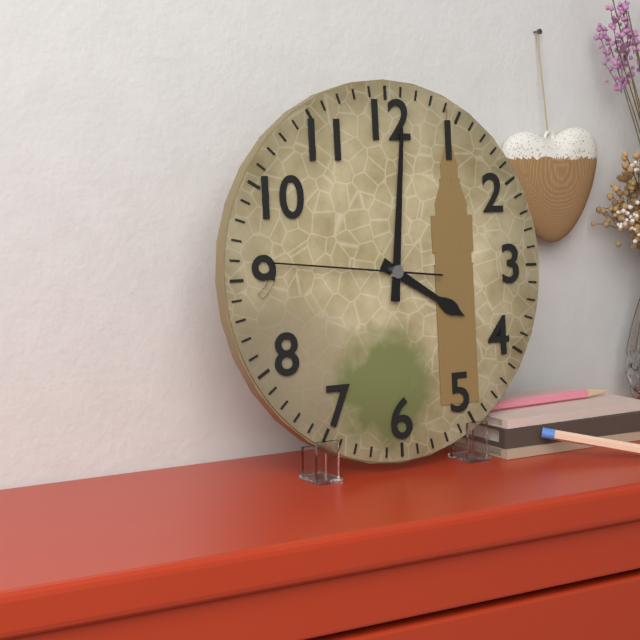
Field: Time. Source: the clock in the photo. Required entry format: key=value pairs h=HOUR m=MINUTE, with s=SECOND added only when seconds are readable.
h=4 m=1 s=46
